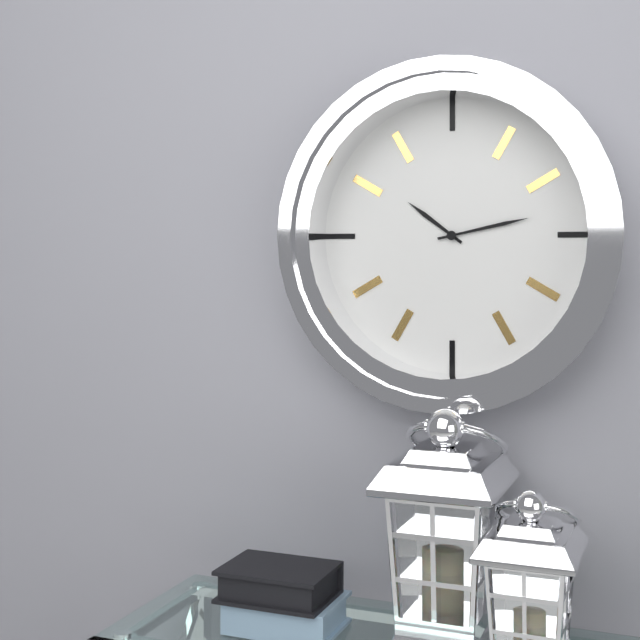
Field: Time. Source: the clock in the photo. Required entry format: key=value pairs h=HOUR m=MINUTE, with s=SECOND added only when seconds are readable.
h=10 m=13
